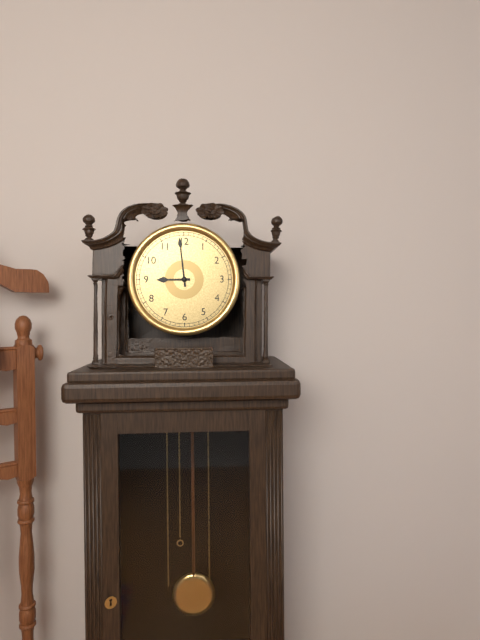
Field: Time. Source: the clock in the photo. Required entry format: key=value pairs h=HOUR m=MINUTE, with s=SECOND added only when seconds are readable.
h=8 m=59
